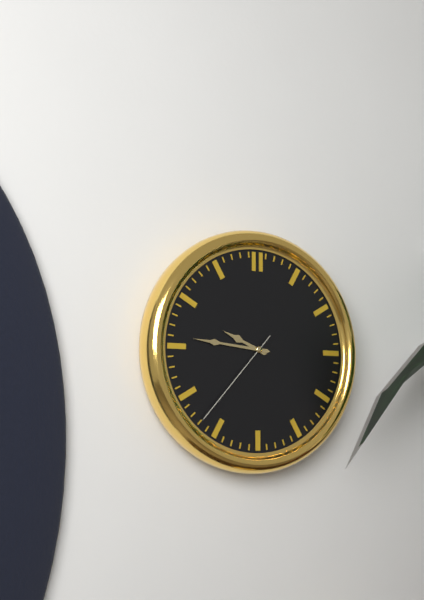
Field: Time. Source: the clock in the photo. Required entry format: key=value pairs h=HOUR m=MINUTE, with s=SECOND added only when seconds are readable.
h=9 m=46 s=37
